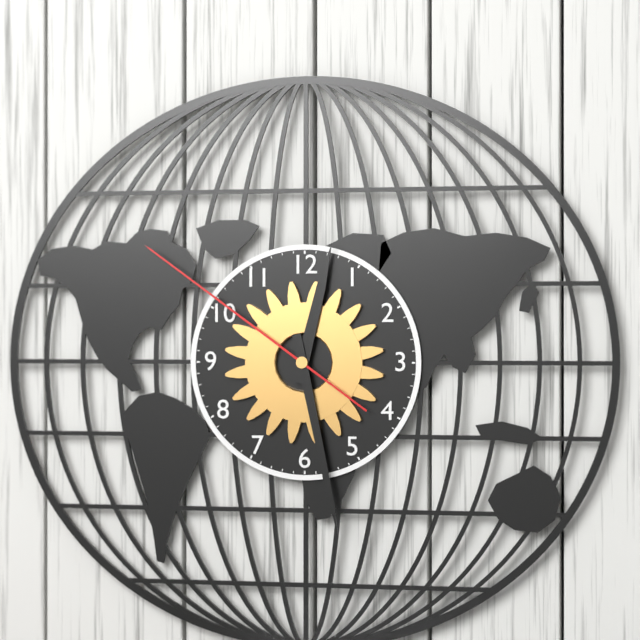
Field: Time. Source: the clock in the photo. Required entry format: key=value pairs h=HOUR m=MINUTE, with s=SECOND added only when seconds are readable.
h=12 m=28 s=51
